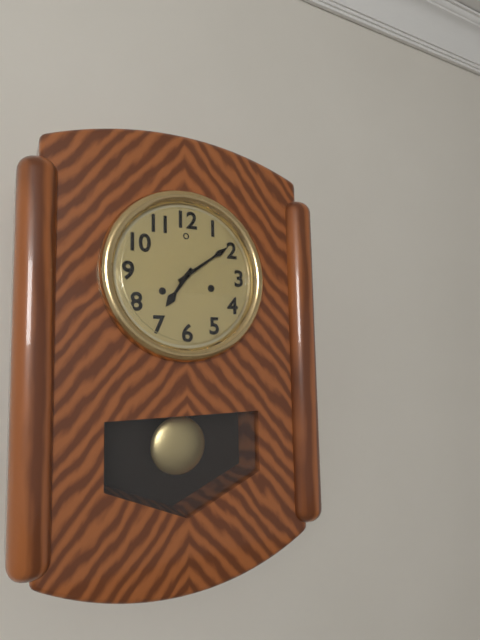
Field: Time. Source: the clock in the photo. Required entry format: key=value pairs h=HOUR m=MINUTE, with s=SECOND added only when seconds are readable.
h=7 m=9
